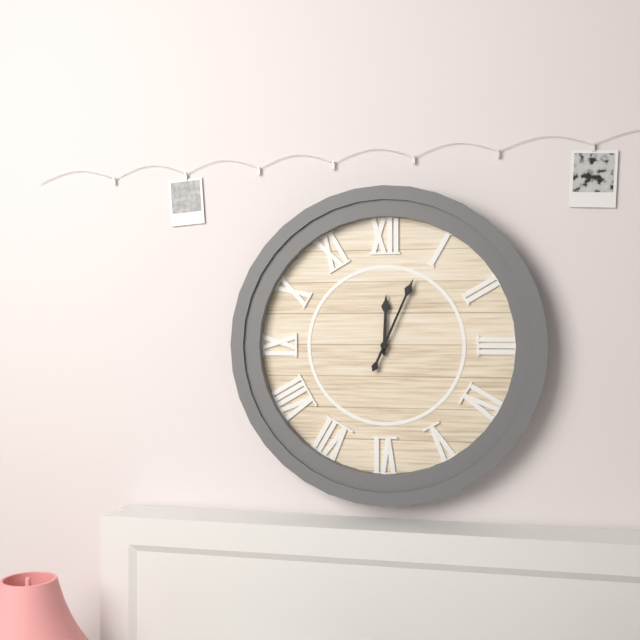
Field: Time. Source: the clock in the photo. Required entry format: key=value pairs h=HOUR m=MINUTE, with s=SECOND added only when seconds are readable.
h=12 m=4
